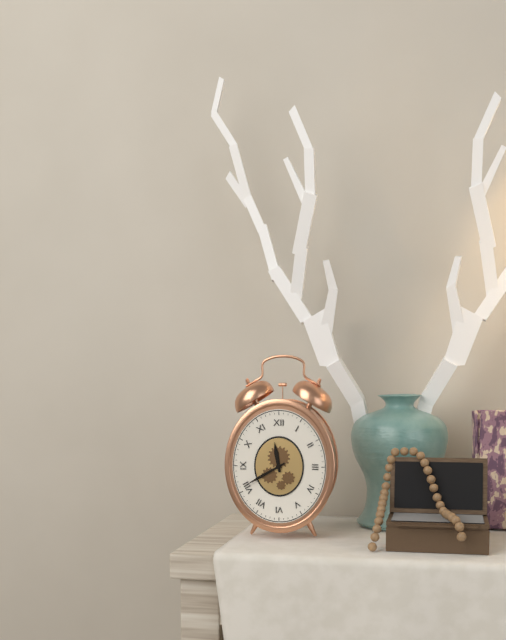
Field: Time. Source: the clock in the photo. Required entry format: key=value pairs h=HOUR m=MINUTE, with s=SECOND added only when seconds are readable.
h=11 m=40
